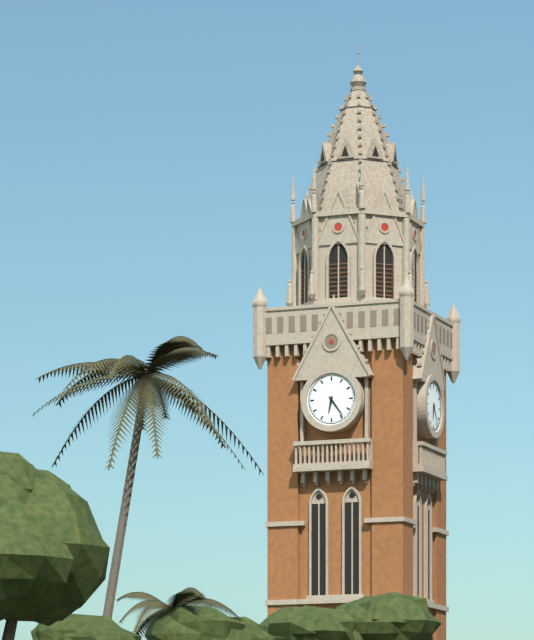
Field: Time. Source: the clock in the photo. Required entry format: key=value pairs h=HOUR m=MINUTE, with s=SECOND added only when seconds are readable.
h=6 m=24
